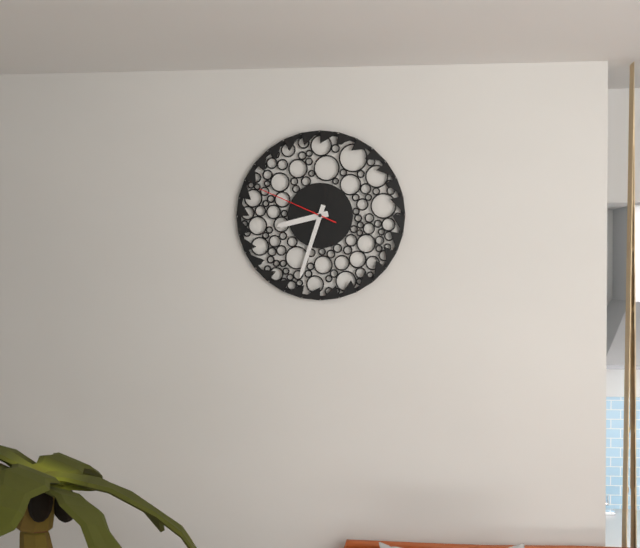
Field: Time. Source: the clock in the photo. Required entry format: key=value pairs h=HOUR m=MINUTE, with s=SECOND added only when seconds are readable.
h=8 m=33 s=49
